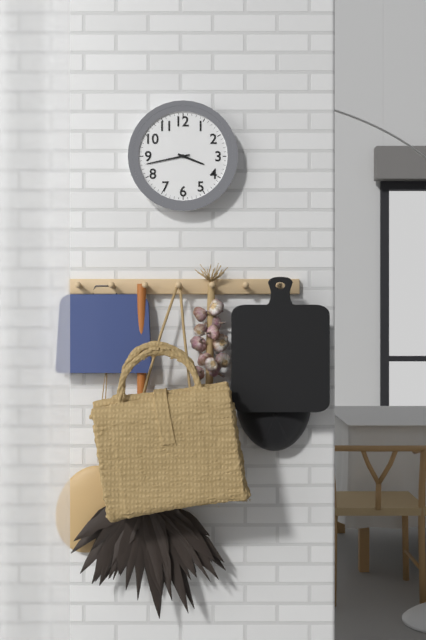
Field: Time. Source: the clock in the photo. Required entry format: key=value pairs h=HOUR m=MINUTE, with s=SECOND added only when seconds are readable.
h=3 m=43
